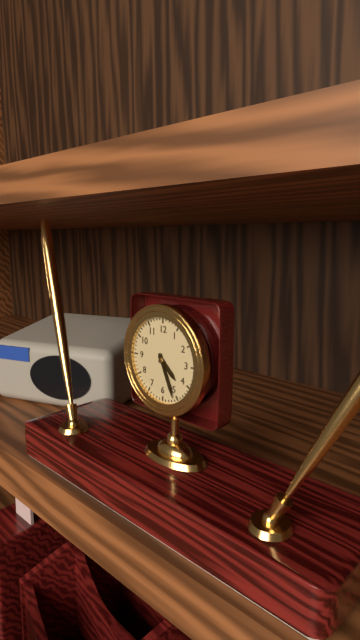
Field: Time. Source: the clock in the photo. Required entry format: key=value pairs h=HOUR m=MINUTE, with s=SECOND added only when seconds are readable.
h=4 m=26
